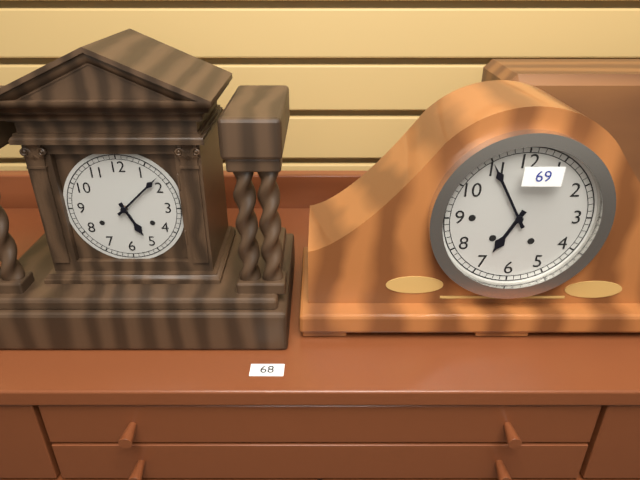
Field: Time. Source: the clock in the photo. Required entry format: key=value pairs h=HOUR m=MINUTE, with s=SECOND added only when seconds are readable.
h=5 m=8
